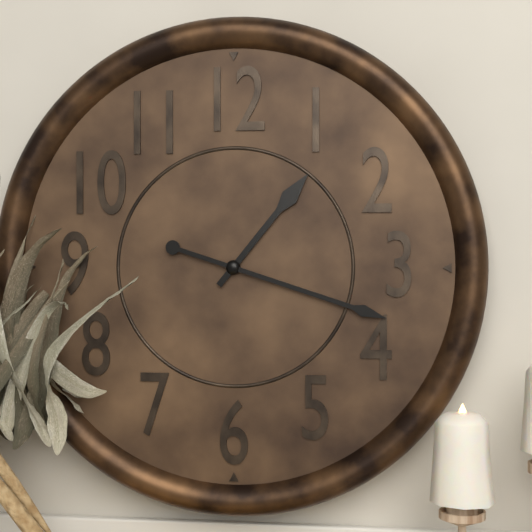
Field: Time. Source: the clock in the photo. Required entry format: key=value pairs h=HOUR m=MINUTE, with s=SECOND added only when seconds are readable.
h=1 m=18
